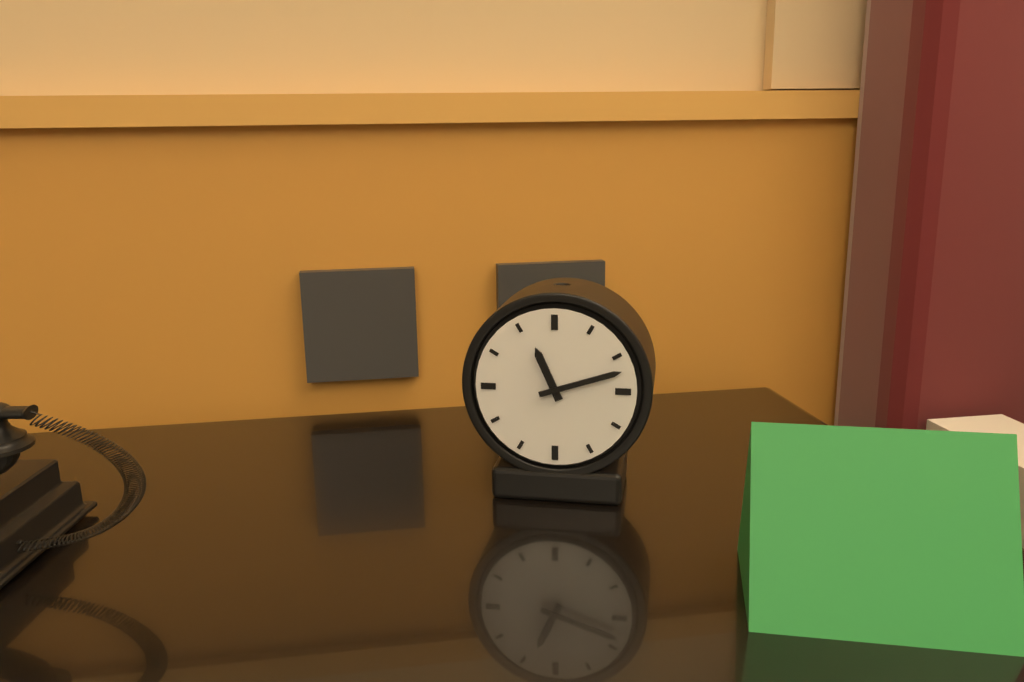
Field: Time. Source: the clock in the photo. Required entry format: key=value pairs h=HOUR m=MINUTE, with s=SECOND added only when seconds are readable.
h=11 m=12
